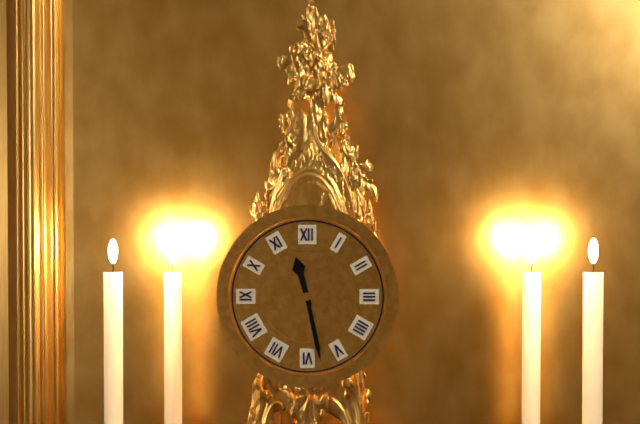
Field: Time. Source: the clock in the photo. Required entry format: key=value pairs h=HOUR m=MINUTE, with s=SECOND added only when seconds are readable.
h=11 m=28
